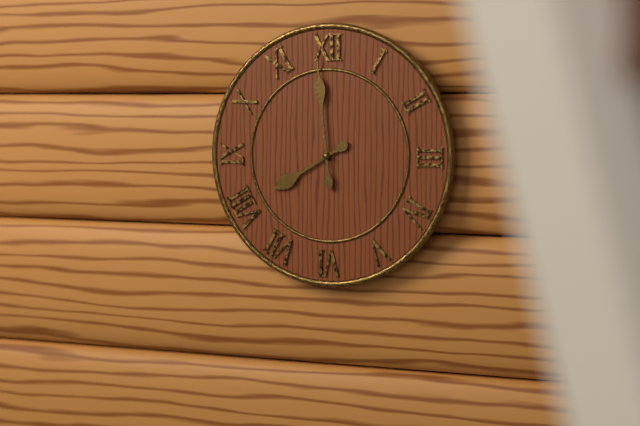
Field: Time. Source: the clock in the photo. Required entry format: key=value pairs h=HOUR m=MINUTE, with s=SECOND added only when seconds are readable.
h=7 m=59
